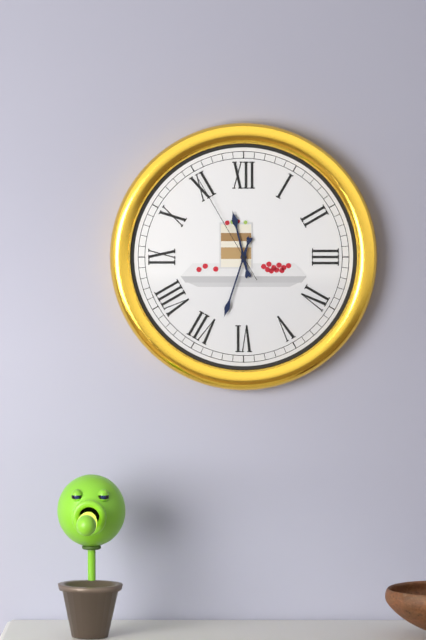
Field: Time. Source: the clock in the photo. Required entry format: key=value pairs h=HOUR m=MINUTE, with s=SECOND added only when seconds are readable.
h=11 m=33 s=55
